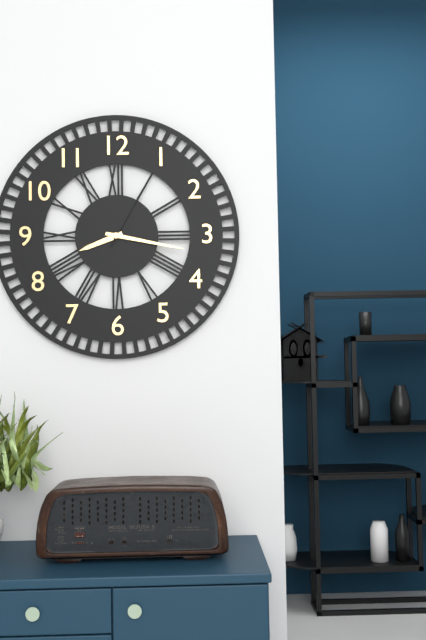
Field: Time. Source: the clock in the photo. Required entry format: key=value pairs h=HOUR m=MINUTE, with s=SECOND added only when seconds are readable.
h=8 m=17 s=5
